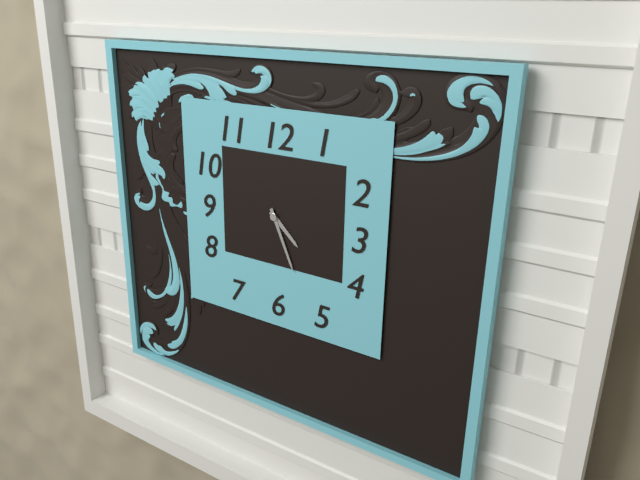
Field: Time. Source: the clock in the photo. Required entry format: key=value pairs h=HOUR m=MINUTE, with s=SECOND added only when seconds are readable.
h=4 m=26
